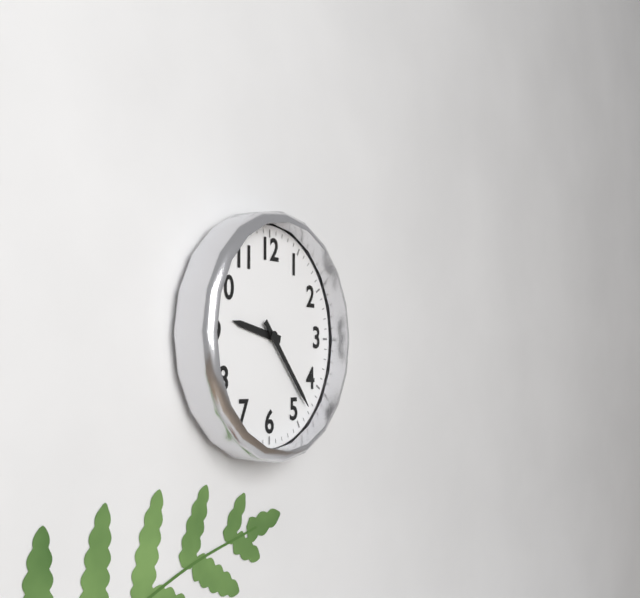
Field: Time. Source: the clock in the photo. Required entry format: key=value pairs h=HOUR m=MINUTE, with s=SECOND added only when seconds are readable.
h=9 m=23
